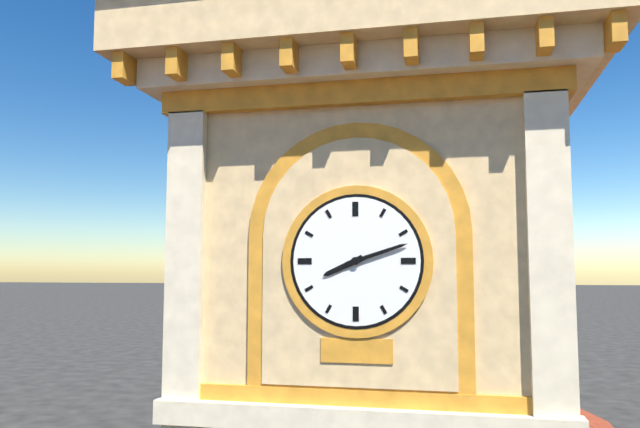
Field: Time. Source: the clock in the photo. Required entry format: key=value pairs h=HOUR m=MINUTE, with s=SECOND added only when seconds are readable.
h=8 m=12
